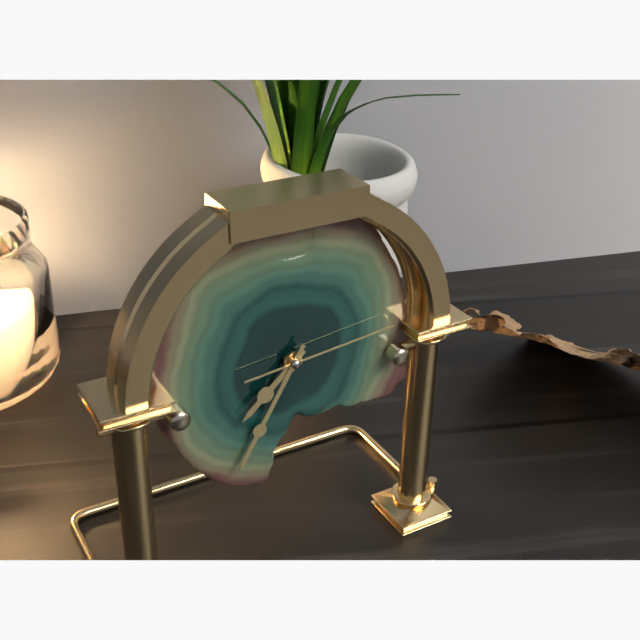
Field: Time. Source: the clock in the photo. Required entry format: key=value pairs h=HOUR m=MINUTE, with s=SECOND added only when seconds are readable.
h=7 m=35 s=14
